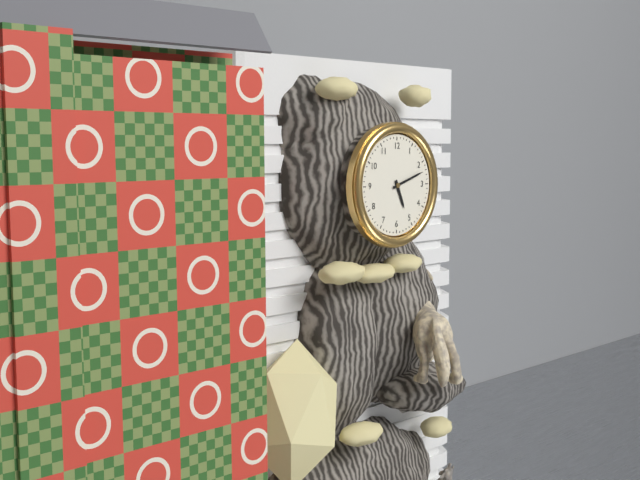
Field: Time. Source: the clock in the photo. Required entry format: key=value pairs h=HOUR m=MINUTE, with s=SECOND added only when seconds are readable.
h=5 m=12
